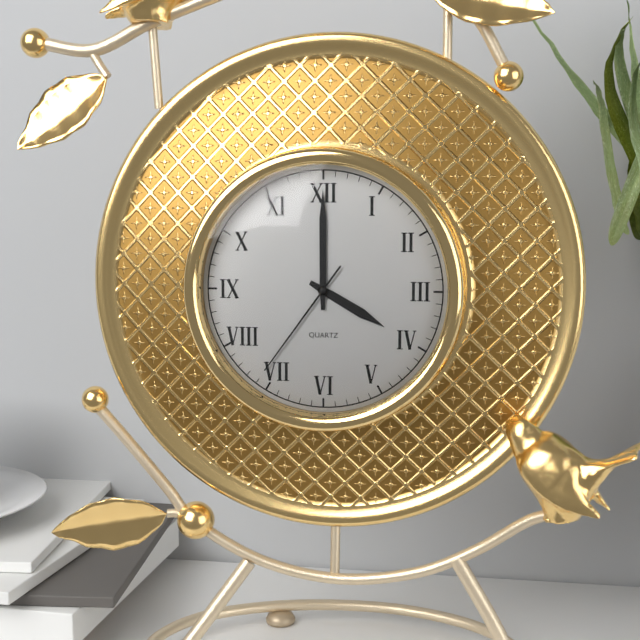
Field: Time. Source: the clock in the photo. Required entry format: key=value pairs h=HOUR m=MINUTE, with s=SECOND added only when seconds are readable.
h=4 m=0 s=36
